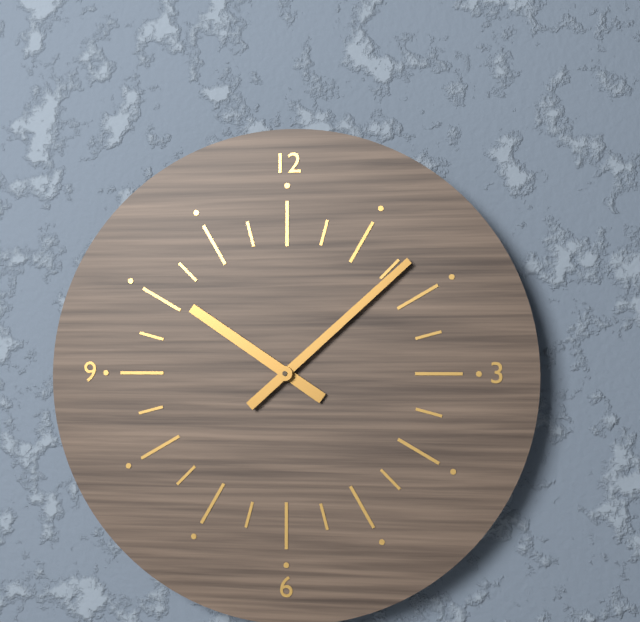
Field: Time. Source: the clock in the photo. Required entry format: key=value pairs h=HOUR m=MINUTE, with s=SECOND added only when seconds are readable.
h=10 m=8
